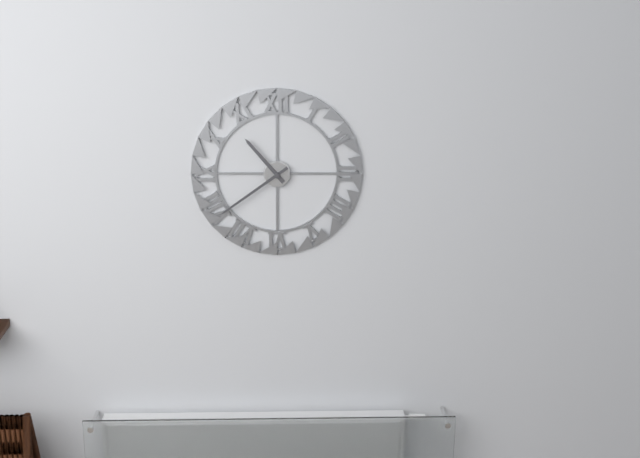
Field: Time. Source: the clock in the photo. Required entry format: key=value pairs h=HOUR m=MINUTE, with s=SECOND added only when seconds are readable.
h=10 m=39
